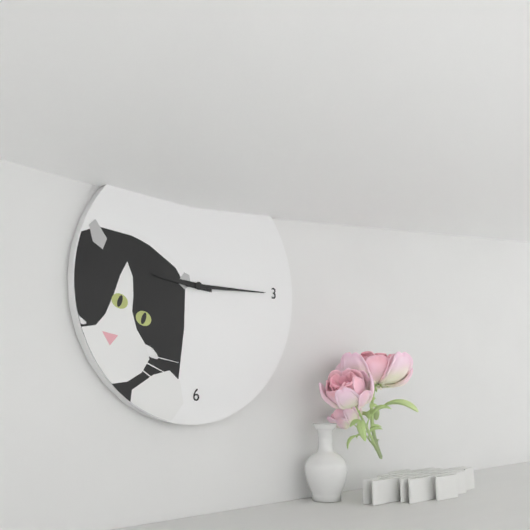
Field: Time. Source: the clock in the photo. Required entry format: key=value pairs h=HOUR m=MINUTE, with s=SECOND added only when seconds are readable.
h=9 m=15
